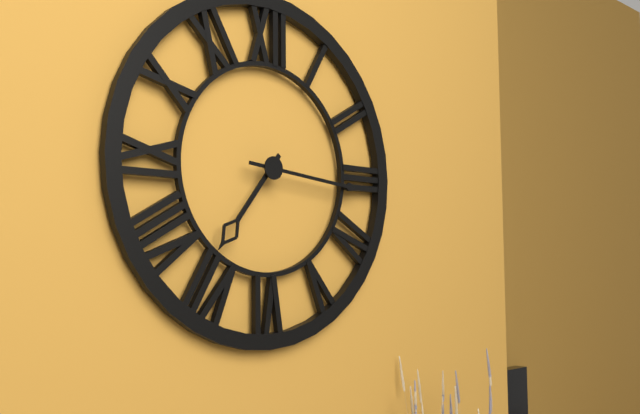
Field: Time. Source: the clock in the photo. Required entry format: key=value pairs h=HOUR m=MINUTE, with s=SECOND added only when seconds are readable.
h=7 m=16
